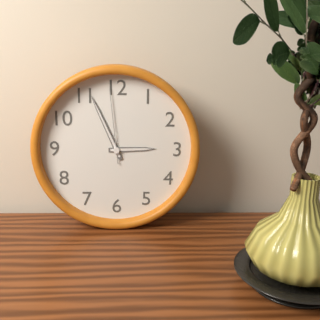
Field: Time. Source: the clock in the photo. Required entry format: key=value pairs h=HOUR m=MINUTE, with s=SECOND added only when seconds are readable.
h=2 m=56 s=59
